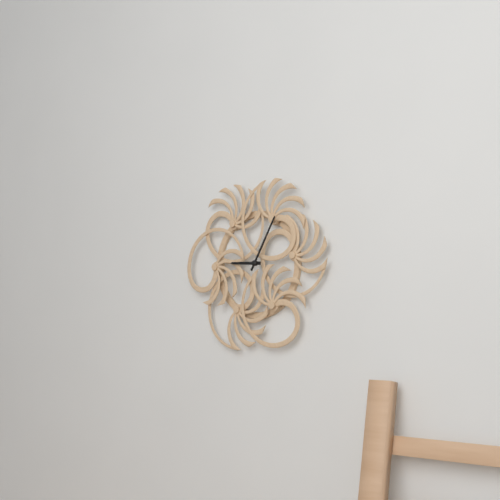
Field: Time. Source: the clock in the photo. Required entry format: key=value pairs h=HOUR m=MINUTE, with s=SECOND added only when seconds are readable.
h=9 m=5
